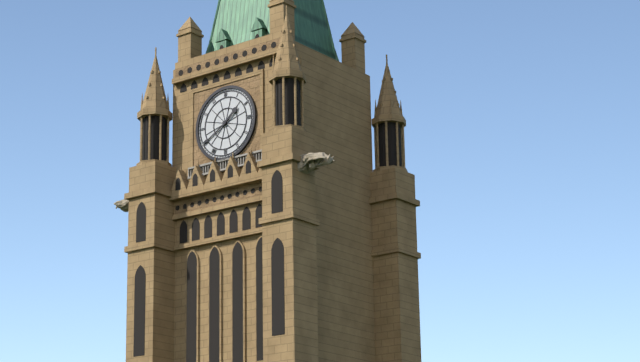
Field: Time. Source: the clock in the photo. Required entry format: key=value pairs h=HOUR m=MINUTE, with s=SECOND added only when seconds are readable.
h=1 m=40
